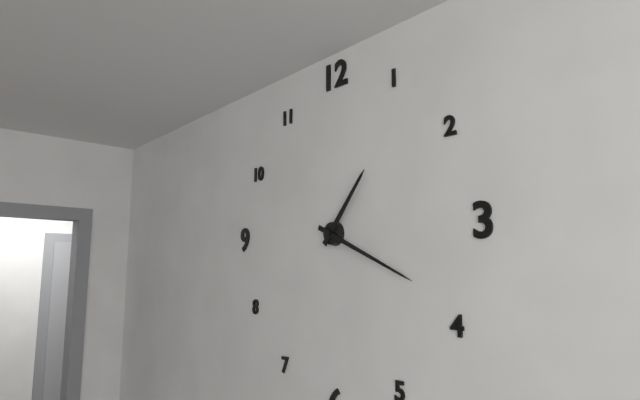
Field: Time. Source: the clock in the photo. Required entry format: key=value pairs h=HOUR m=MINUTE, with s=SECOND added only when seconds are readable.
h=1 m=19
